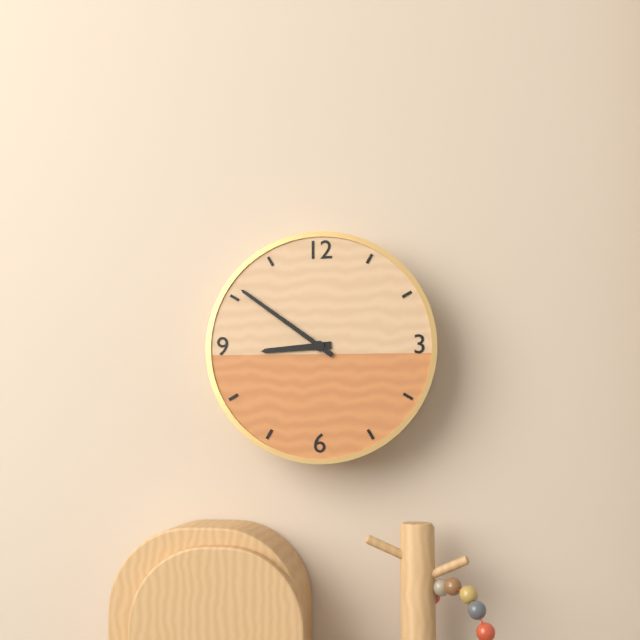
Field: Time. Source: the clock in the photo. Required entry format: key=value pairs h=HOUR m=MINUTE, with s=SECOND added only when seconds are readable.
h=8 m=51
